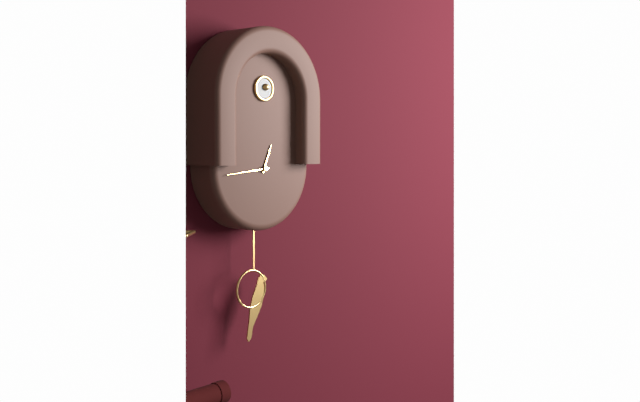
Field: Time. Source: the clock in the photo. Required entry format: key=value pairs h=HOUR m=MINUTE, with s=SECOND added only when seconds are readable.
h=12 m=44
